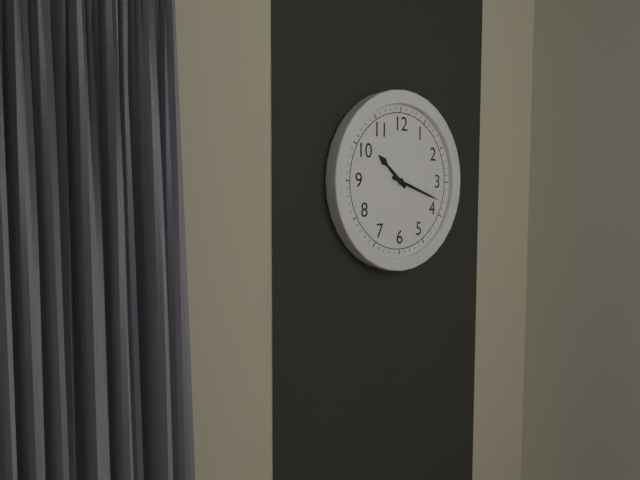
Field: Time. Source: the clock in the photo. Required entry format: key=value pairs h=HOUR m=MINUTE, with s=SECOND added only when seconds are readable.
h=10 m=18
